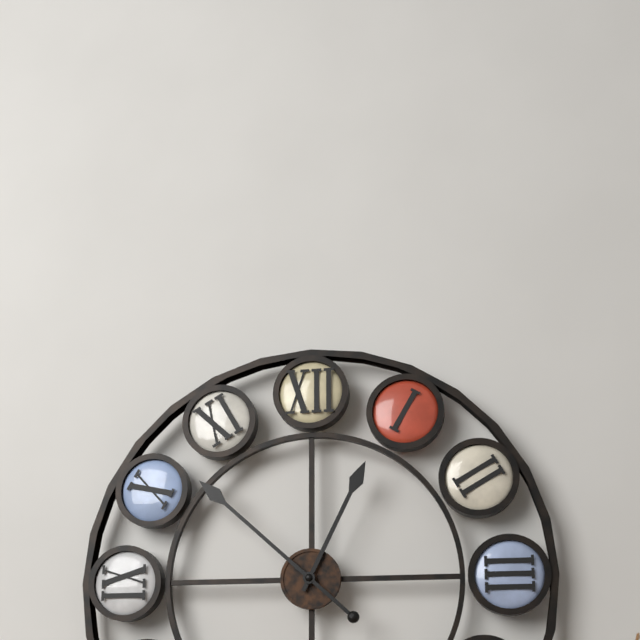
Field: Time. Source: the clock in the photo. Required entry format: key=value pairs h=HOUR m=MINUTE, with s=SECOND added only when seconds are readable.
h=12 m=52
